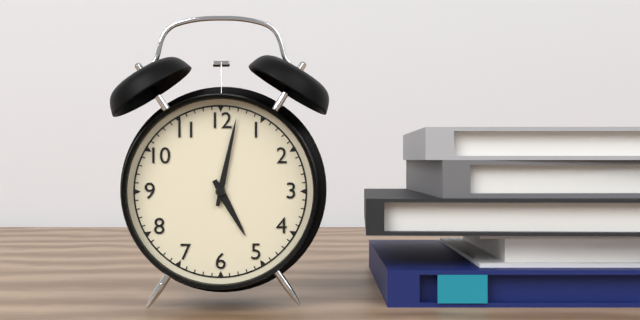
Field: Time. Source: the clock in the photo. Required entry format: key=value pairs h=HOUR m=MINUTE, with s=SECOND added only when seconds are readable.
h=5 m=2
